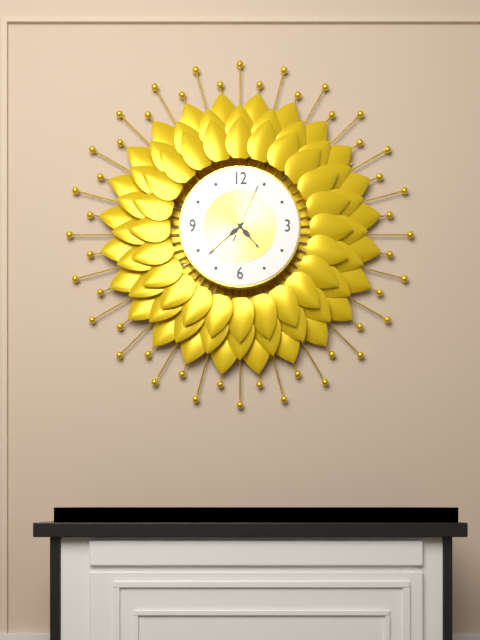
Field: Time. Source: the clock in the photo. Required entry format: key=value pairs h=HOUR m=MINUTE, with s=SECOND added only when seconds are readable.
h=4 m=38 s=4
